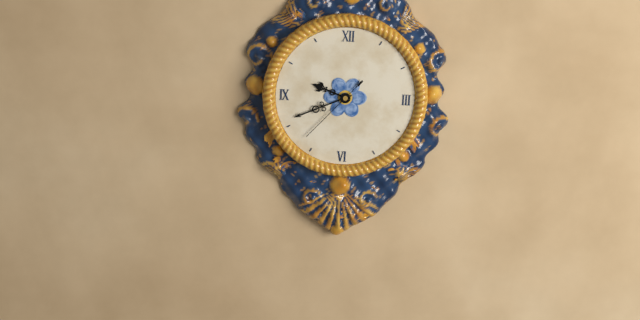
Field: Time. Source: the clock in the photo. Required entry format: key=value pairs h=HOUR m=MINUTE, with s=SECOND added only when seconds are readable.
h=9 m=41 s=37
